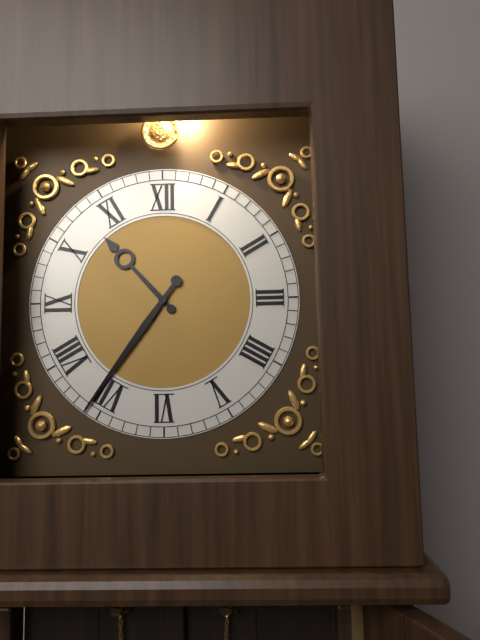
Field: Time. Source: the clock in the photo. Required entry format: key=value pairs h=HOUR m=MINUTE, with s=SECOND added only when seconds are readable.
h=10 m=36
